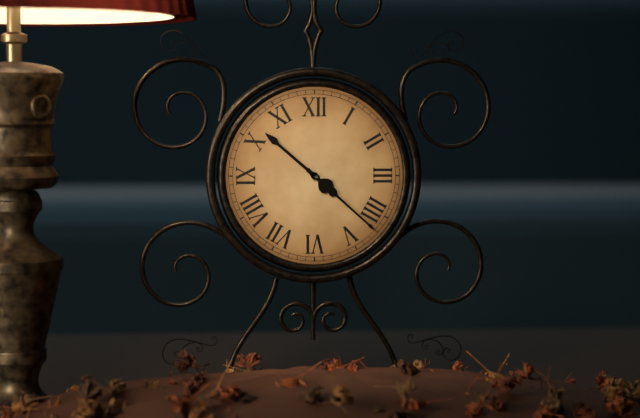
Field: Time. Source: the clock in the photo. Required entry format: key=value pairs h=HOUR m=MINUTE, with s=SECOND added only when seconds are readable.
h=10 m=22
